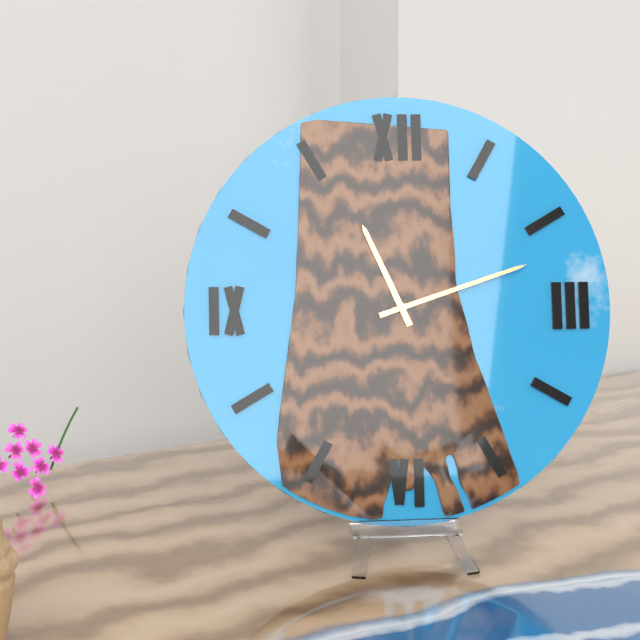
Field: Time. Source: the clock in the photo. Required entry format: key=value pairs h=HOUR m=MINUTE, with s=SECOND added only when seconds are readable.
h=11 m=12
